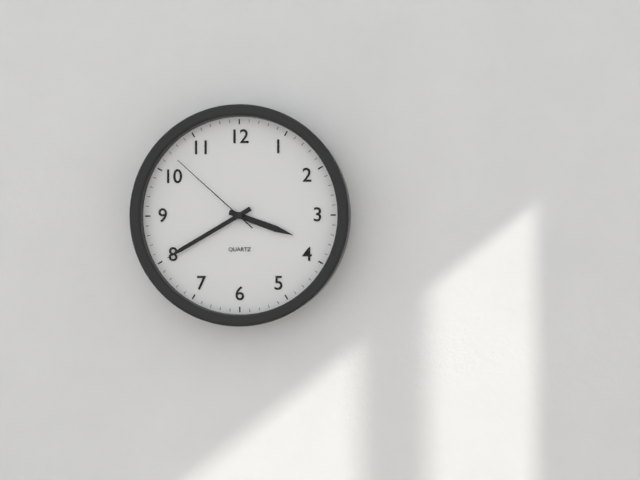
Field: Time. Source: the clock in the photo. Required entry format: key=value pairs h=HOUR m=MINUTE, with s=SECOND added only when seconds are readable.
h=3 m=40 s=52
